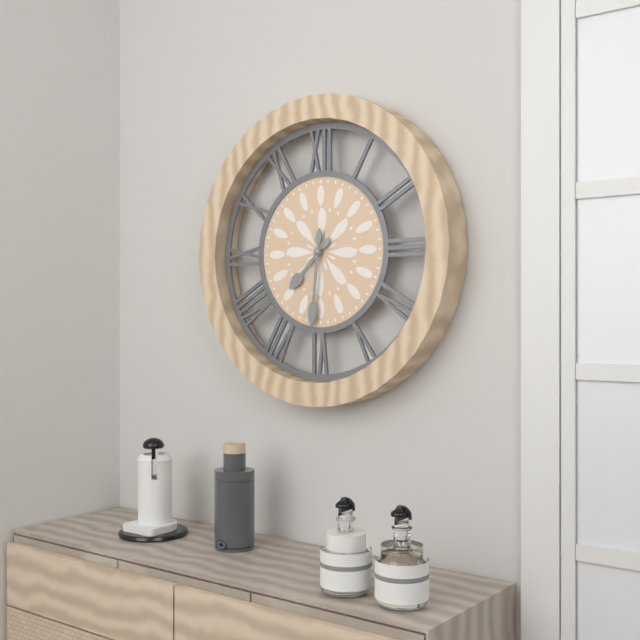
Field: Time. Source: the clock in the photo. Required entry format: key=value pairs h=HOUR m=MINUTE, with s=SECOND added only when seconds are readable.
h=7 m=31
